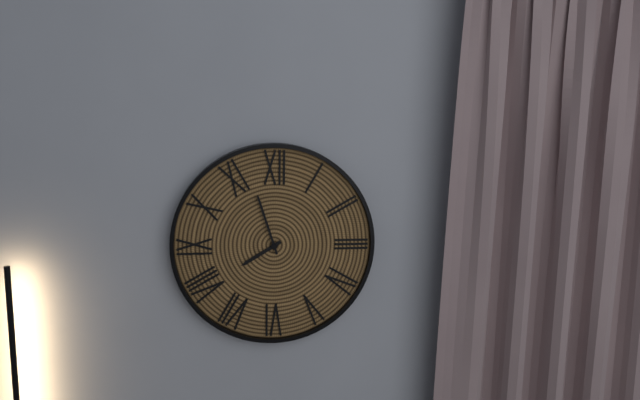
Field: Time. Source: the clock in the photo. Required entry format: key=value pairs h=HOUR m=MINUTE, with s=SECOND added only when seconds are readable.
h=7 m=57
